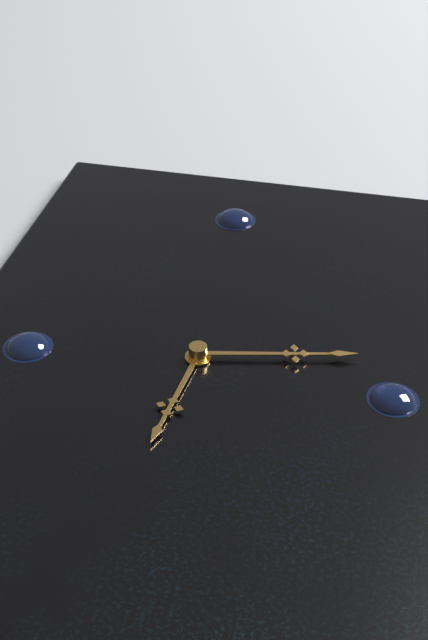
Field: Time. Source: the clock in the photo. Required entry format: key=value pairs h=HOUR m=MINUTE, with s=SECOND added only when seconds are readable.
h=6 m=13
